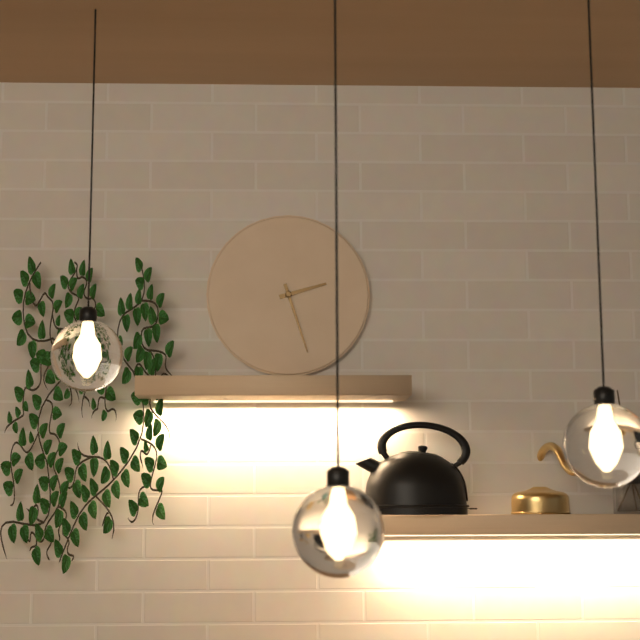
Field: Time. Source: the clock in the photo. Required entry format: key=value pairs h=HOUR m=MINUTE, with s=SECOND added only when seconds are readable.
h=2 m=27
